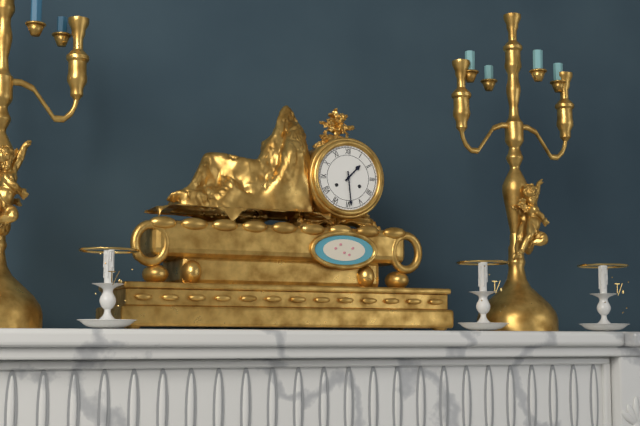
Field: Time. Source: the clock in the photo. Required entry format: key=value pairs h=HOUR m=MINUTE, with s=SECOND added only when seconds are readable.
h=1 m=29
